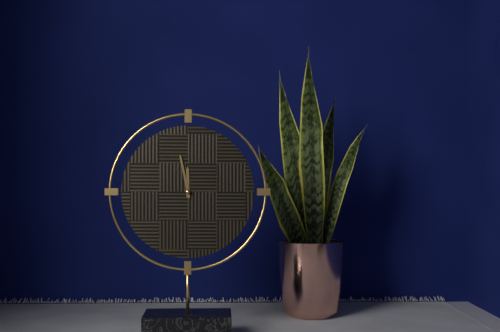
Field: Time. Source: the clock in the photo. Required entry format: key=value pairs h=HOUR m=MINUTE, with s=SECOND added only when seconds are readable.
h=11 m=58
